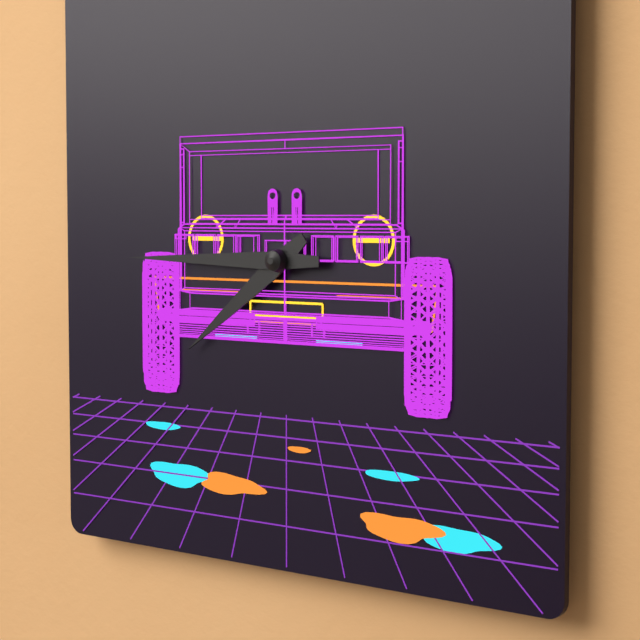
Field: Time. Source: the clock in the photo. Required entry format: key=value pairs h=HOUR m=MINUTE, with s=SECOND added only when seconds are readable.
h=7 m=45
